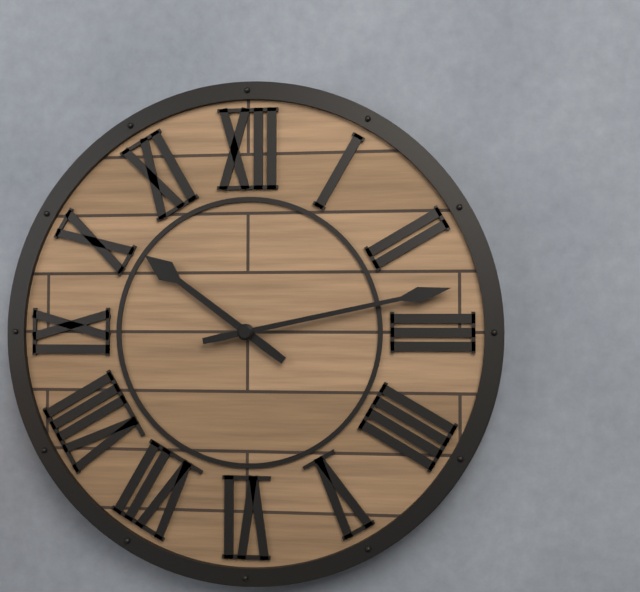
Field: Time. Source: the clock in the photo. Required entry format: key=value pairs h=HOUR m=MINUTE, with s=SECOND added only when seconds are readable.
h=10 m=13
